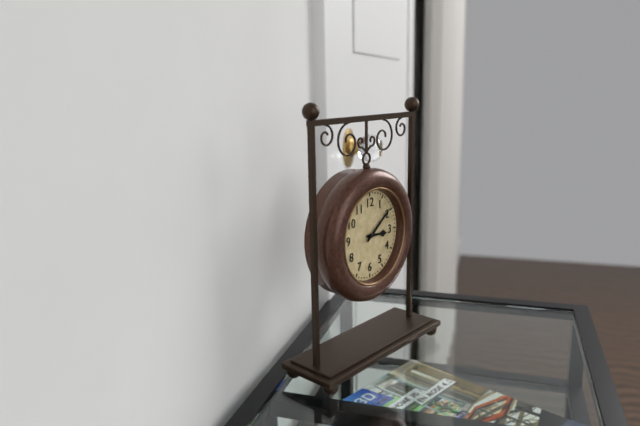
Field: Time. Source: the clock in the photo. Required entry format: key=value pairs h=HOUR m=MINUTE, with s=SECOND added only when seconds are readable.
h=3 m=9
